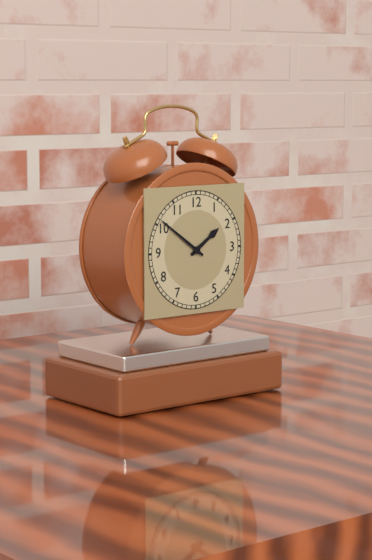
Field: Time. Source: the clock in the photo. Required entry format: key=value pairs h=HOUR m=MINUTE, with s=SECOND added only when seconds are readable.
h=1 m=51
